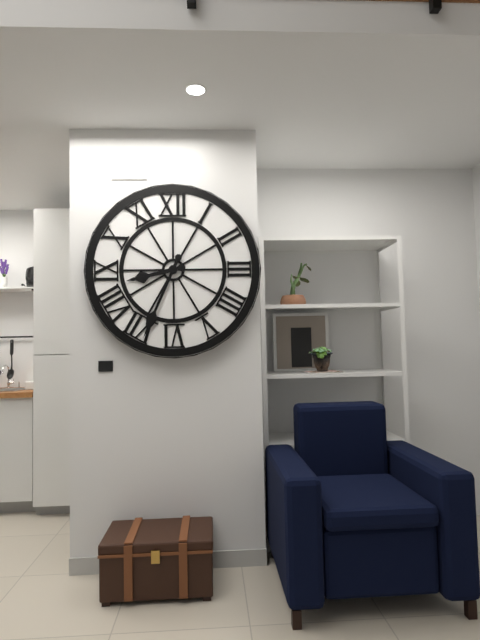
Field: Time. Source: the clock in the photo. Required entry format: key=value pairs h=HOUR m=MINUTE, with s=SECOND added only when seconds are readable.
h=8 m=34
